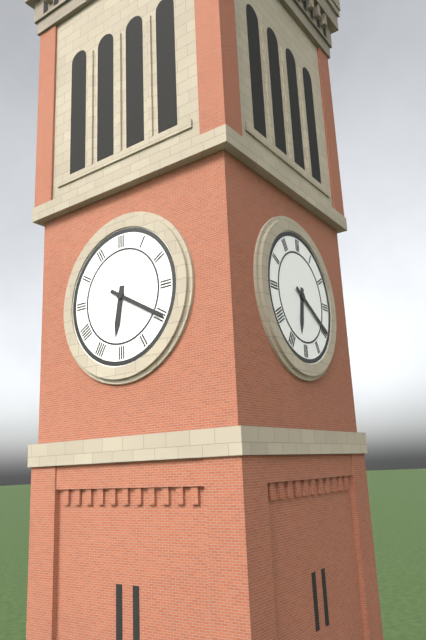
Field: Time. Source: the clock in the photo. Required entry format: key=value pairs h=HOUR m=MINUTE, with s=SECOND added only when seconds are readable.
h=6 m=20
